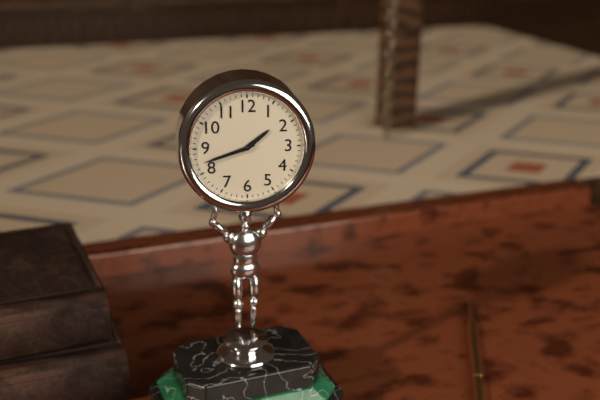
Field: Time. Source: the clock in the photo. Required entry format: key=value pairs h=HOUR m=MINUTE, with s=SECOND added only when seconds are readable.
h=1 m=42
